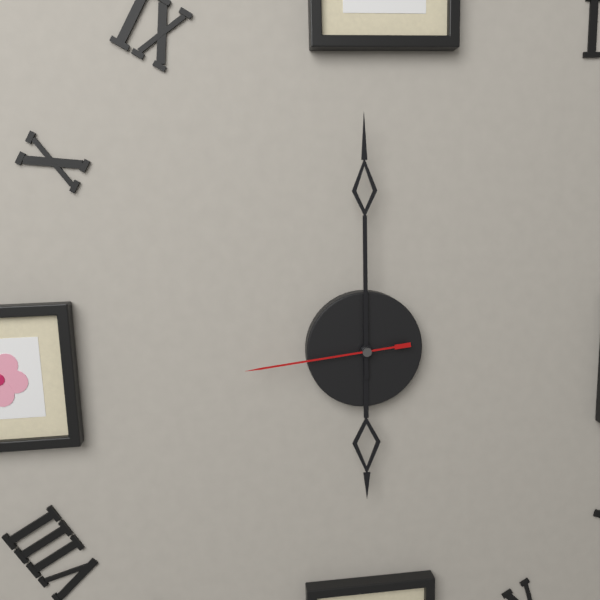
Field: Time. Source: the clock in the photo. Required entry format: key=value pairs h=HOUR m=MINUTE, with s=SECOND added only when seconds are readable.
h=6 m=0 s=44
